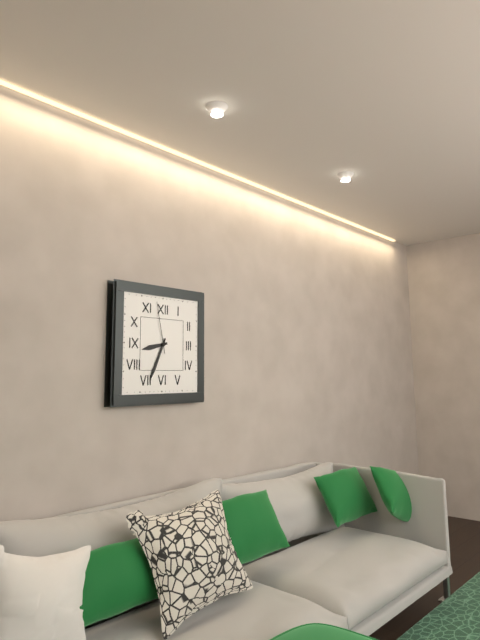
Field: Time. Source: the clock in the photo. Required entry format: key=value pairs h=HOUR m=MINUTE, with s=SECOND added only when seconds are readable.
h=8 m=34 s=58
